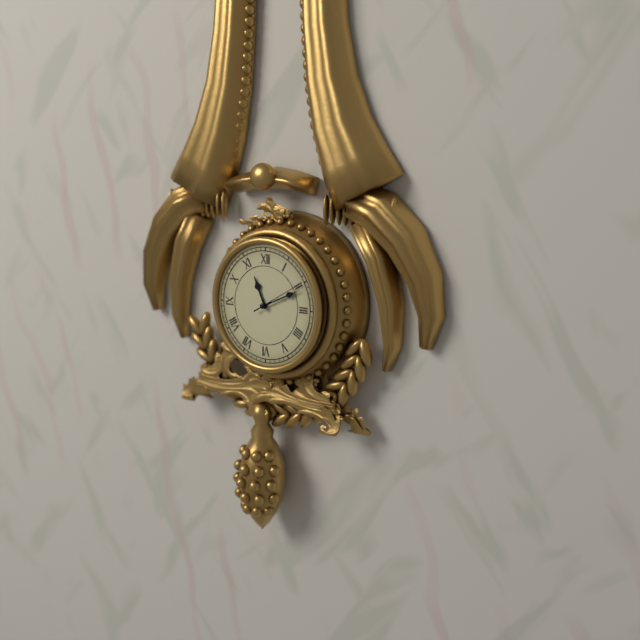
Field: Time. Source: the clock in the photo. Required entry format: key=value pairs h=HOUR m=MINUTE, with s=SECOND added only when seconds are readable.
h=11 m=11 s=10
